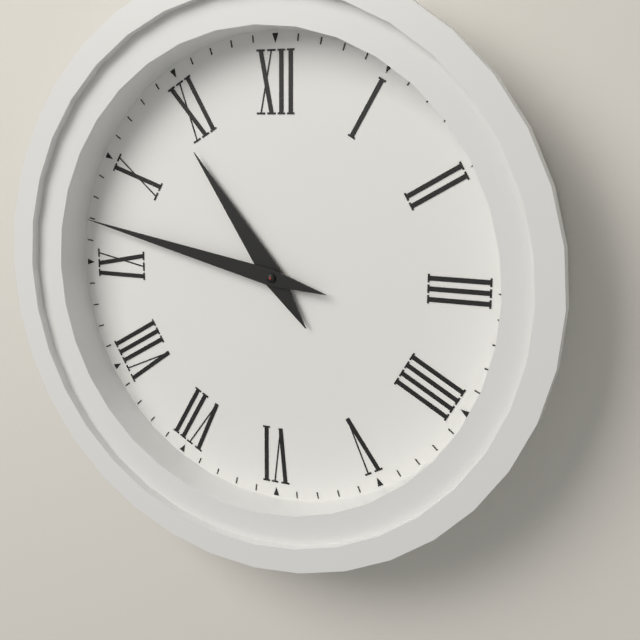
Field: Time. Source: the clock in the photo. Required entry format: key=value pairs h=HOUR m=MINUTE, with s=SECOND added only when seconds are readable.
h=10 m=47
